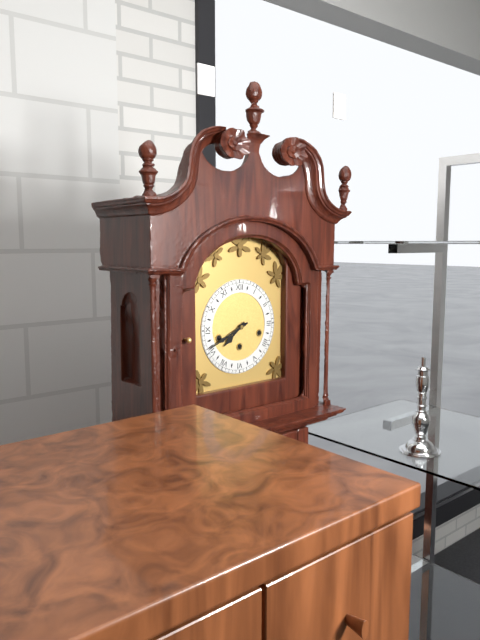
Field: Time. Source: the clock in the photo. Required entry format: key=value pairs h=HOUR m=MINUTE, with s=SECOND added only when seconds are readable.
h=7 m=41
